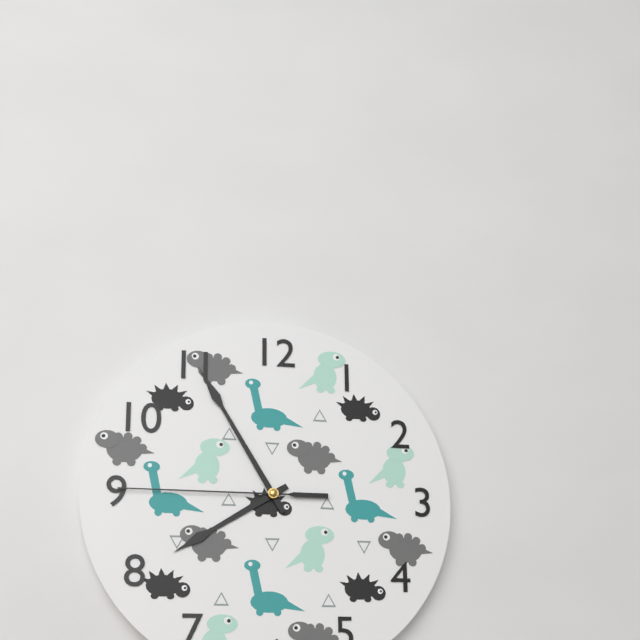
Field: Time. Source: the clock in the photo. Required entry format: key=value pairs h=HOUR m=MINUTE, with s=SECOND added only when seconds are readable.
h=7 m=55 s=45
